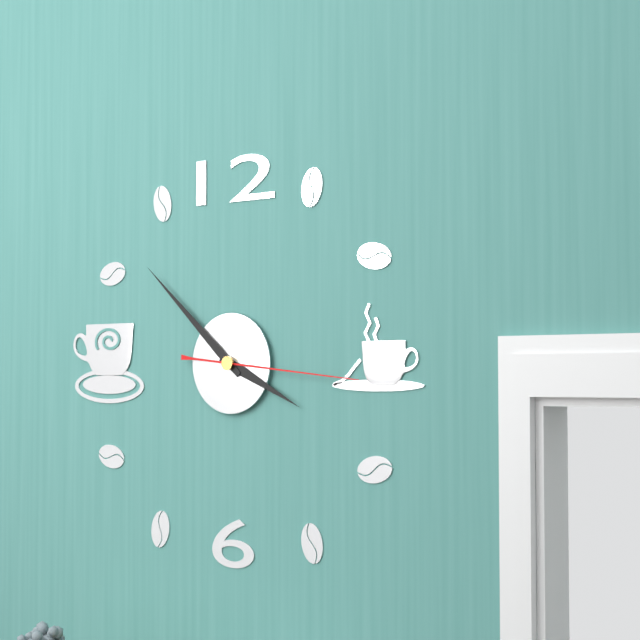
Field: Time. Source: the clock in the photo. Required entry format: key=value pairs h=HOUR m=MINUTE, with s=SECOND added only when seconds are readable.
h=3 m=52 s=16
